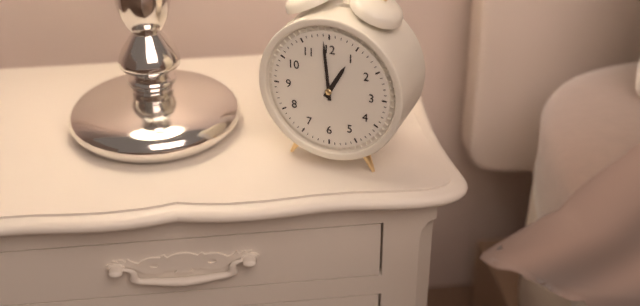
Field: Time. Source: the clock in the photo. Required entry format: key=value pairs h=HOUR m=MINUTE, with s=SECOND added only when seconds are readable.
h=12 m=59
